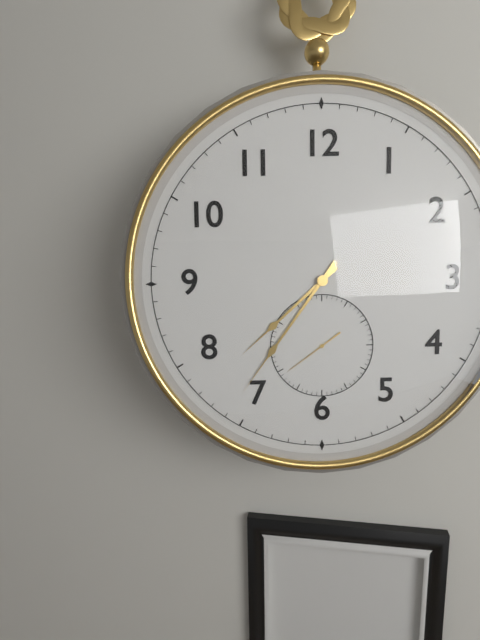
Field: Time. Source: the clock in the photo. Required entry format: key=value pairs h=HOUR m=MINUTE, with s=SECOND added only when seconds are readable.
h=7 m=36 s=39
